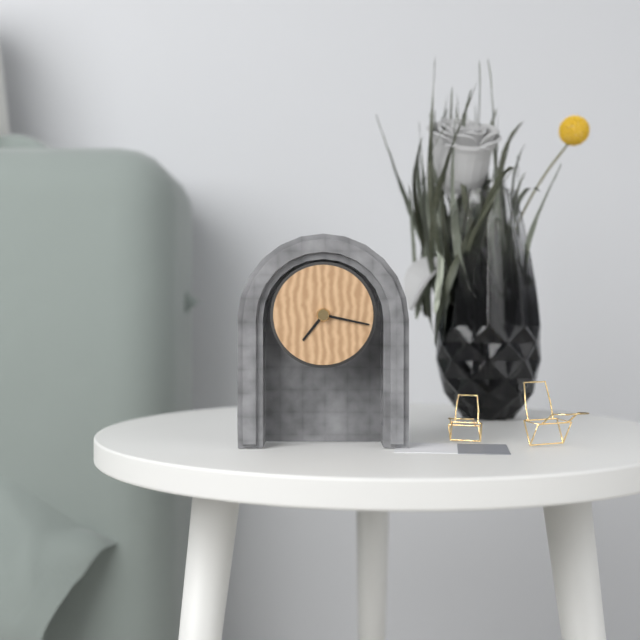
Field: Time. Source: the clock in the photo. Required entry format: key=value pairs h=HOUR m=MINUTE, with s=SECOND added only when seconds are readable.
h=7 m=17
